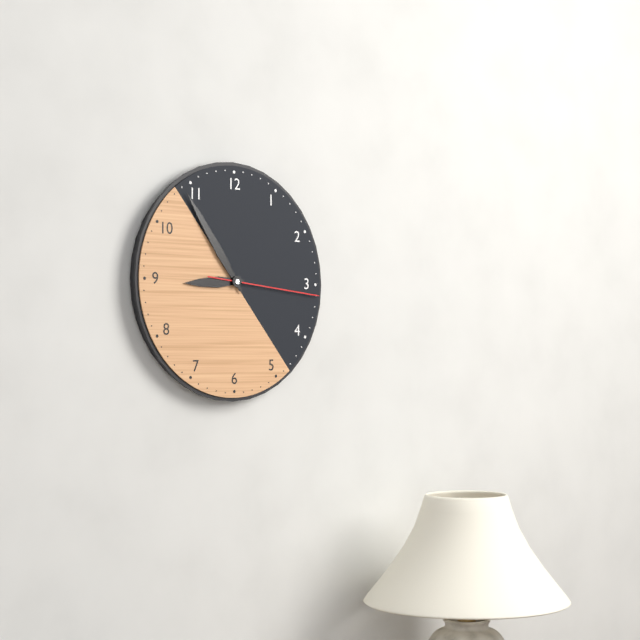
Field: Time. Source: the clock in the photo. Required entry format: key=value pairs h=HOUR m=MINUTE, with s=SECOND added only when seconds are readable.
h=8 m=54 s=16
